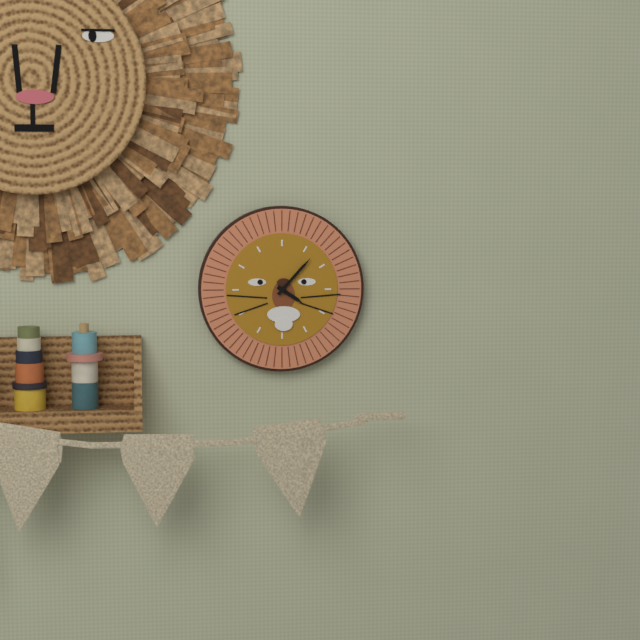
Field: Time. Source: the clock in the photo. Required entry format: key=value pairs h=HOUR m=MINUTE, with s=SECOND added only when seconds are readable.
h=4 m=7
